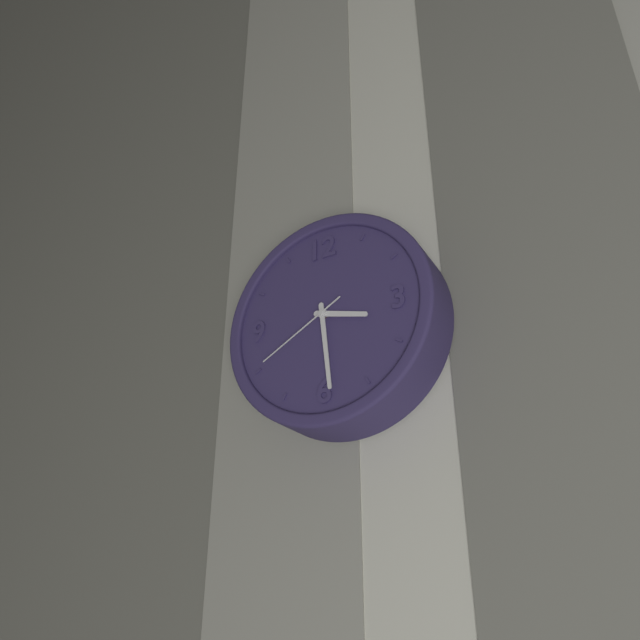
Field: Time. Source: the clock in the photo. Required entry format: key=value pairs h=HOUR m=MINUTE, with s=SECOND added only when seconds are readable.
h=3 m=29 s=40
